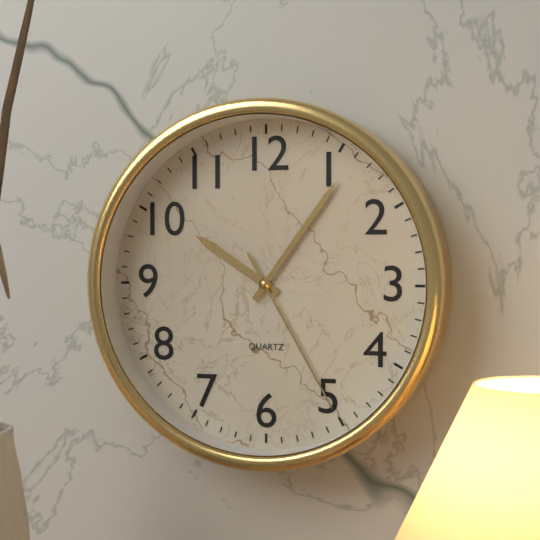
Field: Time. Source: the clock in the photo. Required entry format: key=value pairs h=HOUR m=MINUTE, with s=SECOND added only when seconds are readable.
h=10 m=6 s=25
